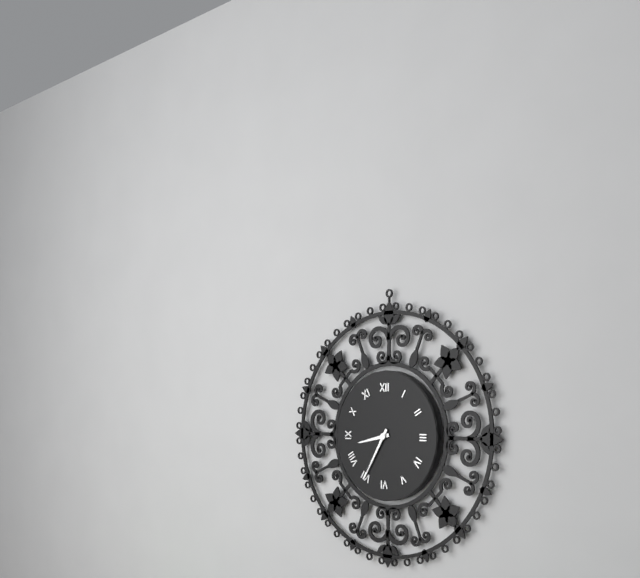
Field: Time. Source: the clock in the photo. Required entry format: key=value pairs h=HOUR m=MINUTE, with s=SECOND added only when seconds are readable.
h=8 m=35
